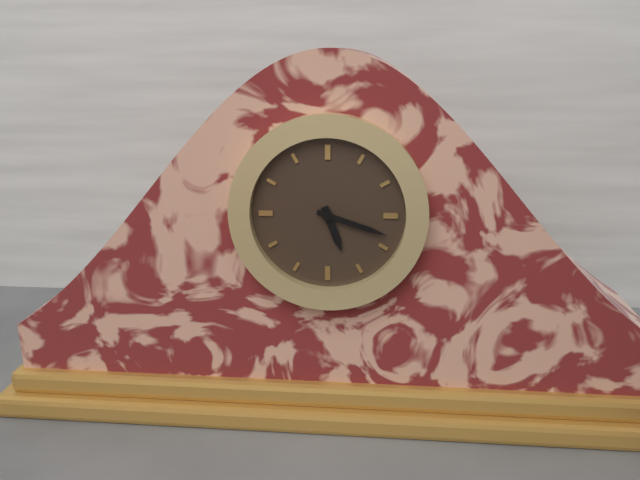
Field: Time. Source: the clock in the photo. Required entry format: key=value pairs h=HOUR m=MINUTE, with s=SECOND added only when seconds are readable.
h=5 m=18
